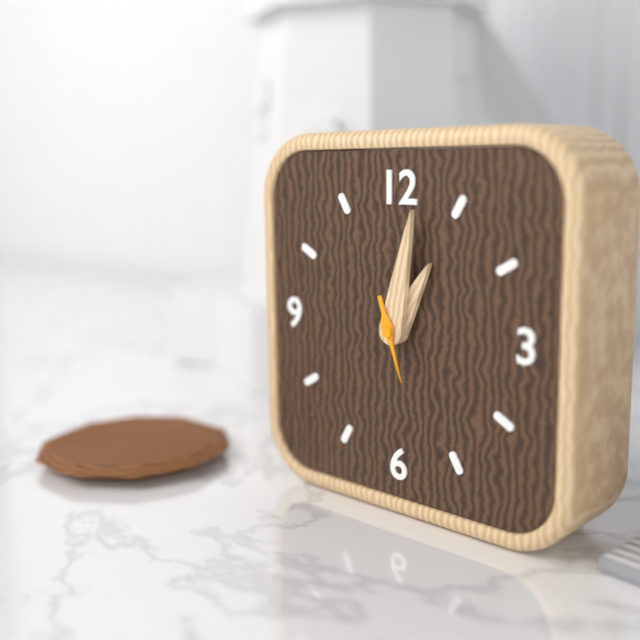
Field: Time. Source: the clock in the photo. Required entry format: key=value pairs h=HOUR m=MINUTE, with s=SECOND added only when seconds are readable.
h=1 m=2 s=27
